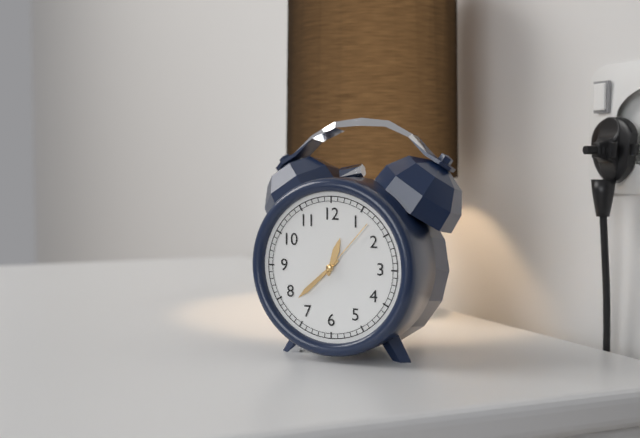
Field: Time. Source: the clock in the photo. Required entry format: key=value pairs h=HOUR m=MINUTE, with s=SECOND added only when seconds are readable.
h=12 m=38 s=7
